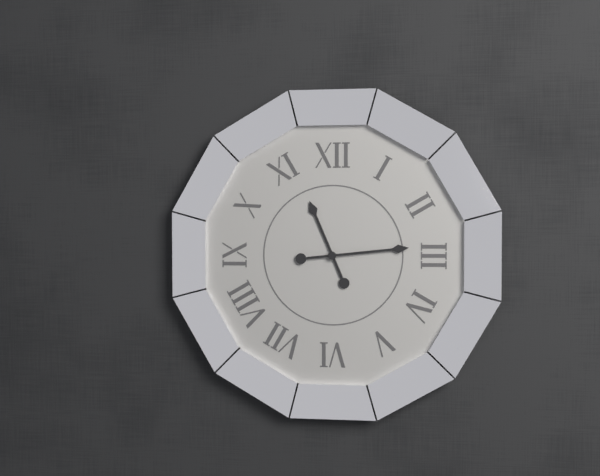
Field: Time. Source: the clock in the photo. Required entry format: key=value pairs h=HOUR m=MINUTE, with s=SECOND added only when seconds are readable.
h=11 m=14
